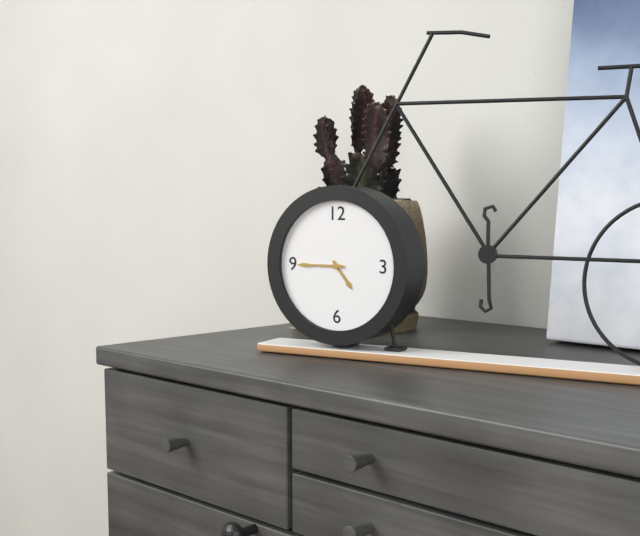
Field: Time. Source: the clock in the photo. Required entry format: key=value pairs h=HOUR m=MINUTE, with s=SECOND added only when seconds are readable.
h=4 m=45
